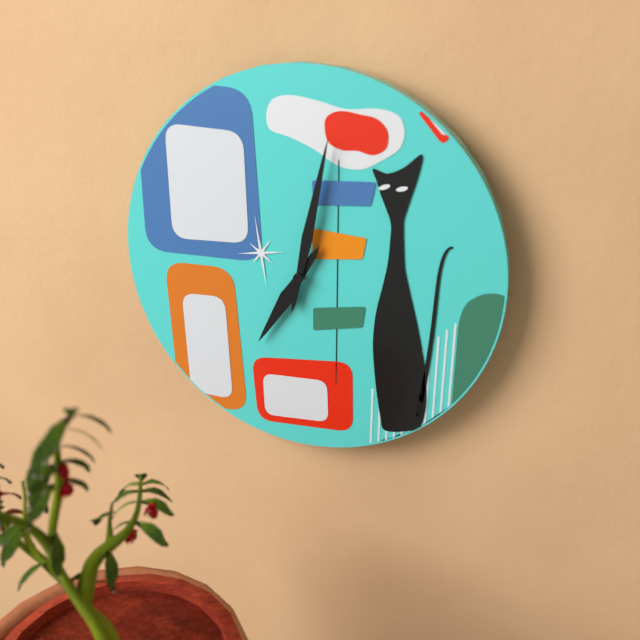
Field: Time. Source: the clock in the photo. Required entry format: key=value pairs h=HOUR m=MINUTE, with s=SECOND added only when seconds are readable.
h=7 m=2
